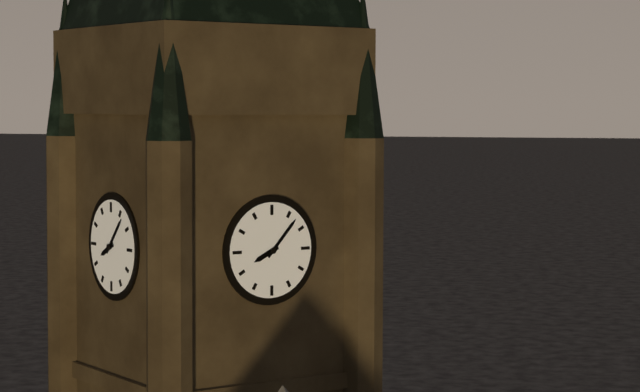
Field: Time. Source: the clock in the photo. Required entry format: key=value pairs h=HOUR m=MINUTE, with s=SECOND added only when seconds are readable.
h=8 m=7
